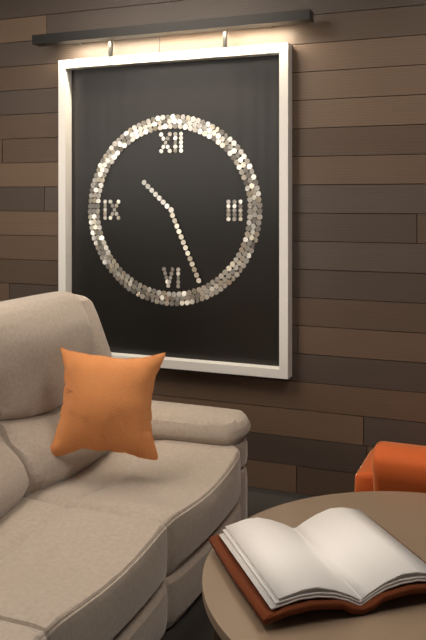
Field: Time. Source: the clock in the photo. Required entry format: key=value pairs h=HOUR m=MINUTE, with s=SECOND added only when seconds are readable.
h=10 m=26
